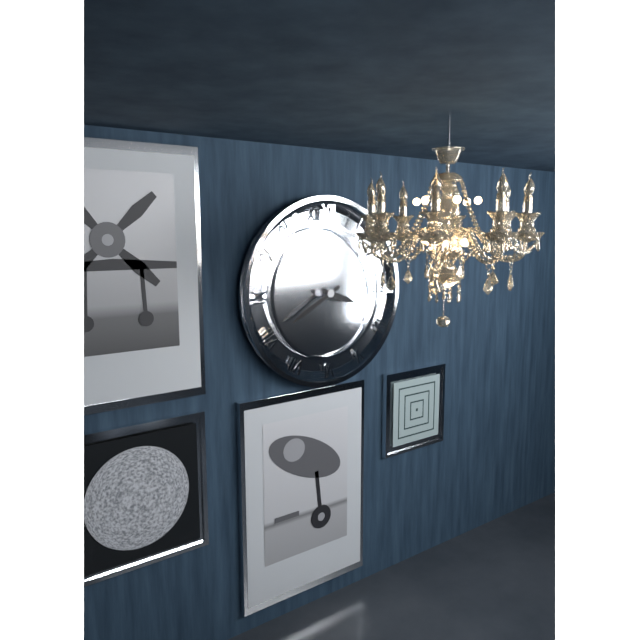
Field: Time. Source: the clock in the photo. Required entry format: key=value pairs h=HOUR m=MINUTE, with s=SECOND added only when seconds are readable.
h=3 m=40
